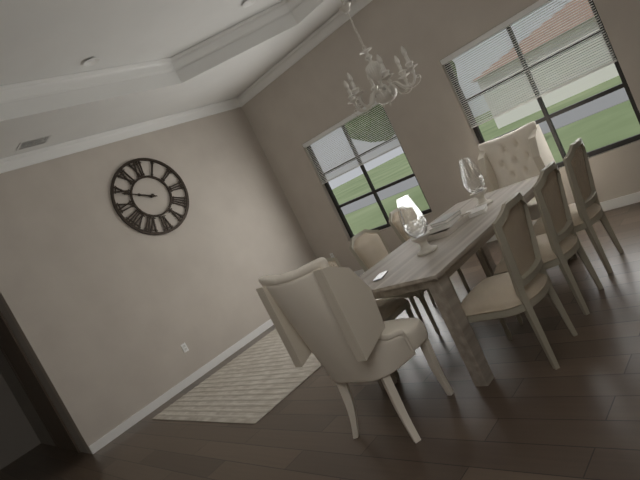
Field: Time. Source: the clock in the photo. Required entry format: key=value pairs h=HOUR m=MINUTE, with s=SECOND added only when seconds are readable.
h=9 m=49
